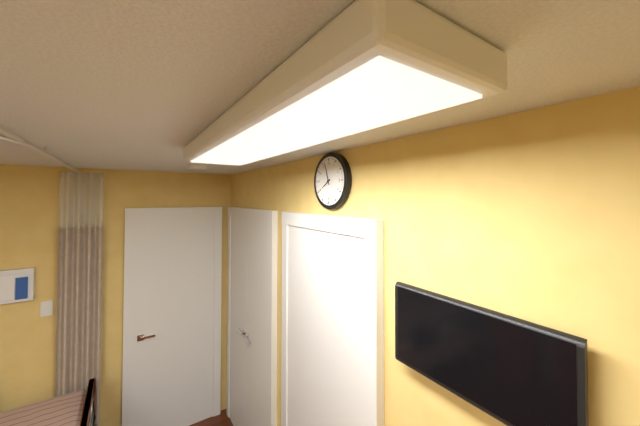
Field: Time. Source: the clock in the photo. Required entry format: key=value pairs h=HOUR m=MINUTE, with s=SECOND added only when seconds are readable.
h=7 m=57
